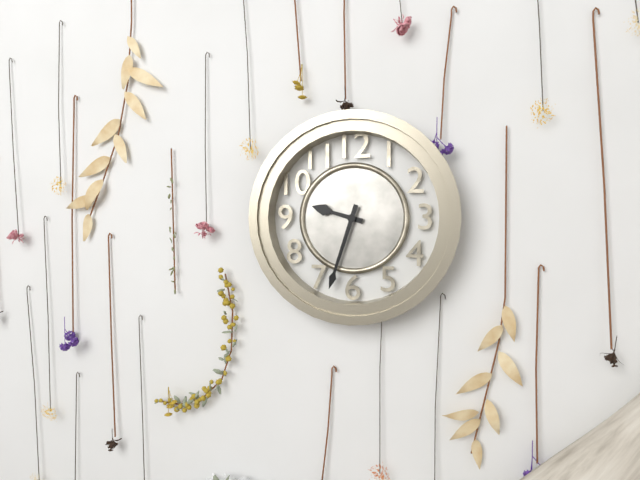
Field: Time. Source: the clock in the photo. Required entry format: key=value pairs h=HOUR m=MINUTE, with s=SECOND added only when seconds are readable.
h=9 m=33
